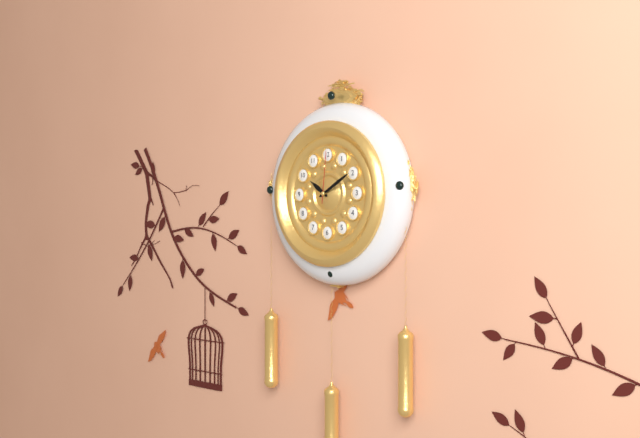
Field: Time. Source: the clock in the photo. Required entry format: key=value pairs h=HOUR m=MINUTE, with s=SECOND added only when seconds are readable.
h=10 m=10 s=1
